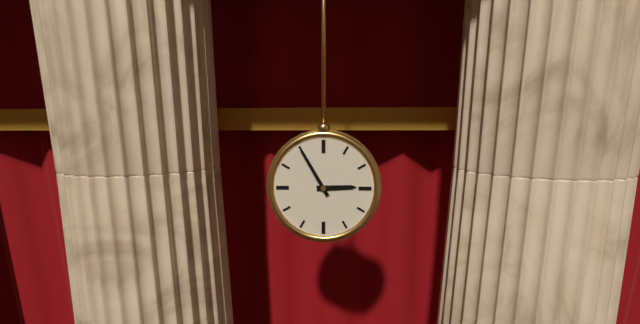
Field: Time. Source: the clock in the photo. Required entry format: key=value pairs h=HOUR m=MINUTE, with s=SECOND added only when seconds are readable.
h=2 m=55
